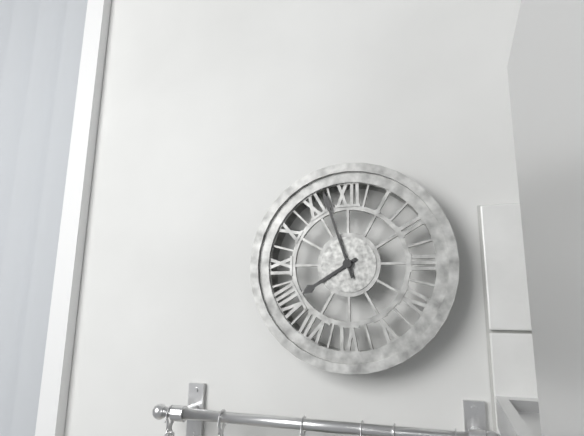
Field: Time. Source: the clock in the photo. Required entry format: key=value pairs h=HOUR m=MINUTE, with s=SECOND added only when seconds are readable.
h=7 m=57
